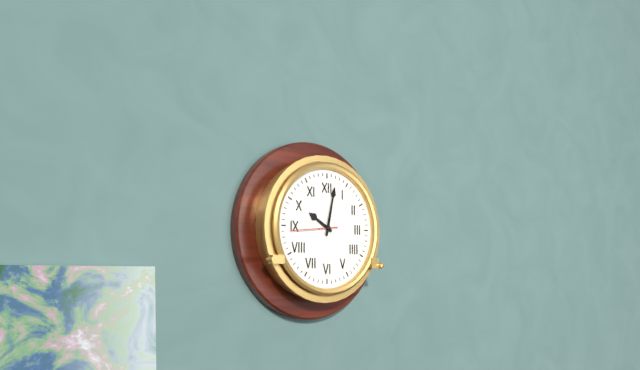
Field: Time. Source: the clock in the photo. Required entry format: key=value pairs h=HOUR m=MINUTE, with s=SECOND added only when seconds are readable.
h=10 m=2
